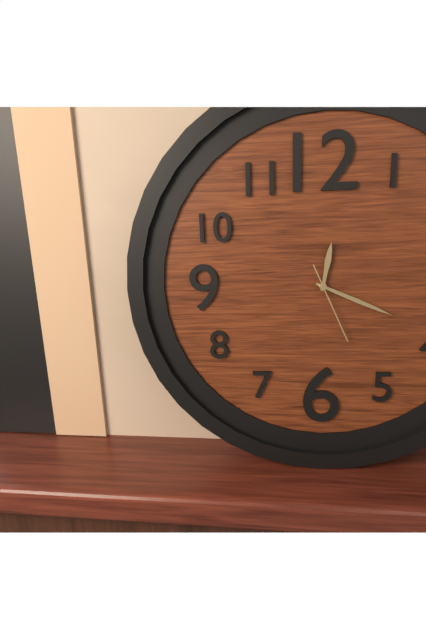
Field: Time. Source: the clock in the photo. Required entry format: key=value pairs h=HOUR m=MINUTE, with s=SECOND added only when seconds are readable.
h=12 m=19 s=26
